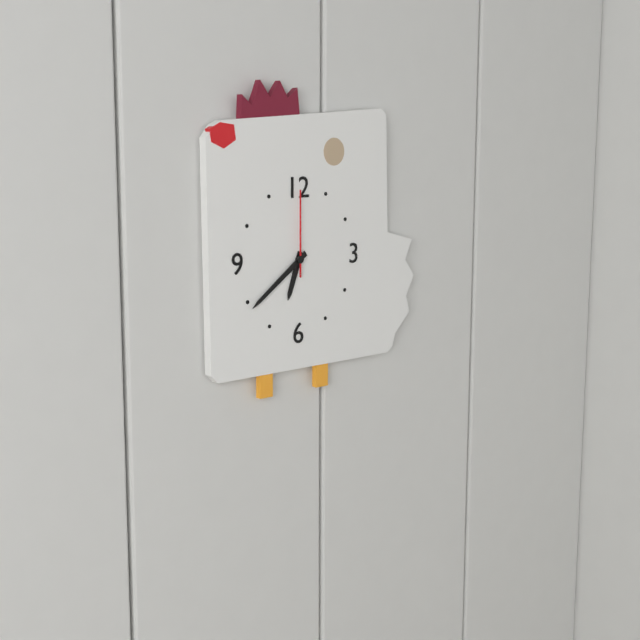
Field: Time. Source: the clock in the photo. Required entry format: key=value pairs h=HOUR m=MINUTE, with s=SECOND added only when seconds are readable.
h=6 m=39 s=0
